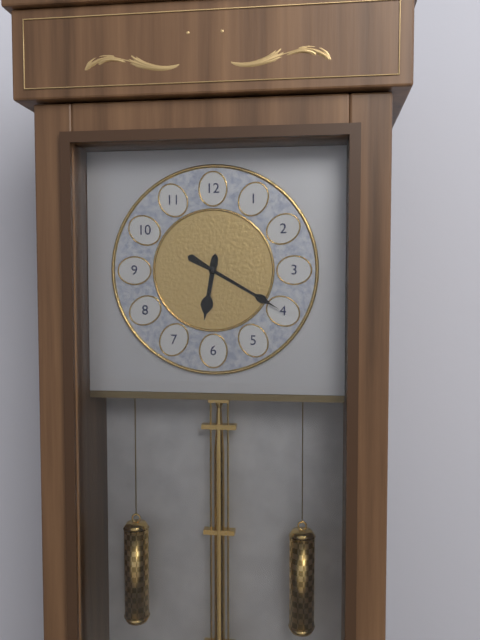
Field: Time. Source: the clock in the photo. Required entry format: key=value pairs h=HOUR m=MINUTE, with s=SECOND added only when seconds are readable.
h=6 m=20
